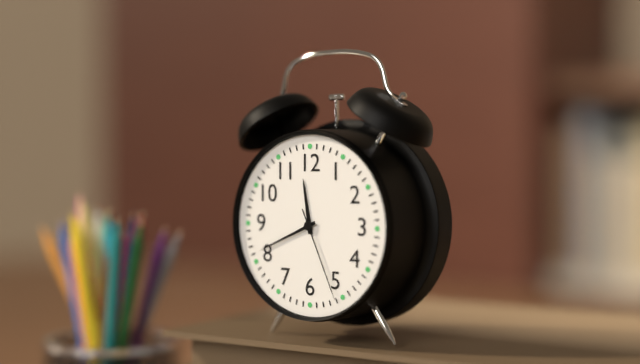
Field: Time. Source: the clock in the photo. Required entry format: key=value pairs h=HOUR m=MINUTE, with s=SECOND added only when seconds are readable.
h=11 m=41 s=26
